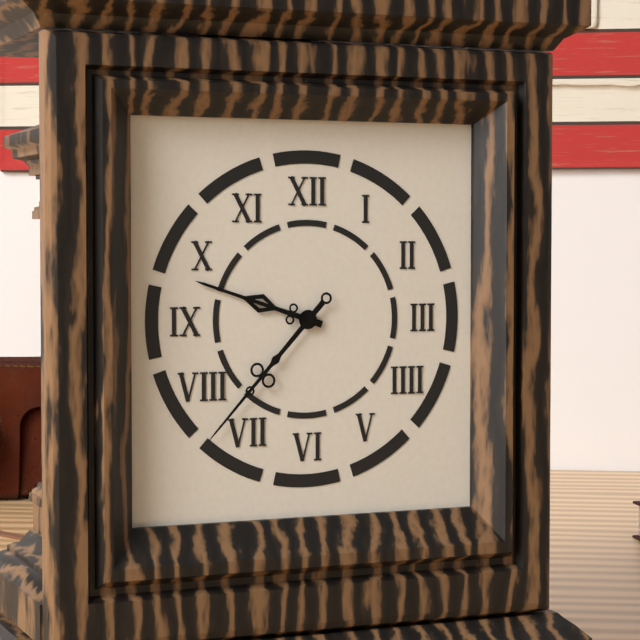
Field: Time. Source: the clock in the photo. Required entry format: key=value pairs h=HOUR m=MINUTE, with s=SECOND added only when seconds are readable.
h=9 m=37
